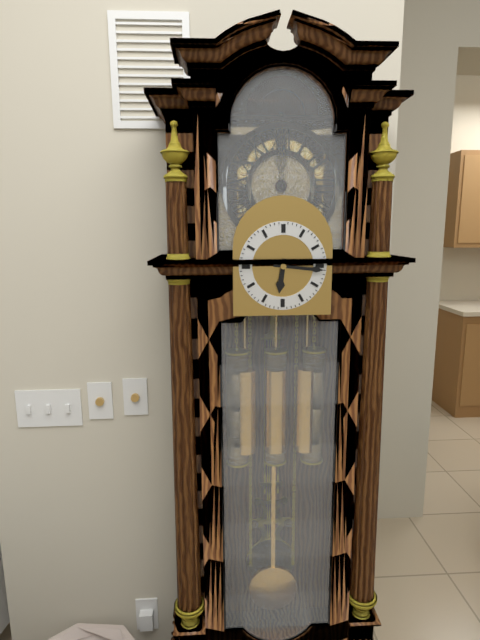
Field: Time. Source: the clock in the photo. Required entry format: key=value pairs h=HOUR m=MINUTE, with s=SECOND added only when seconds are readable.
h=6 m=16
